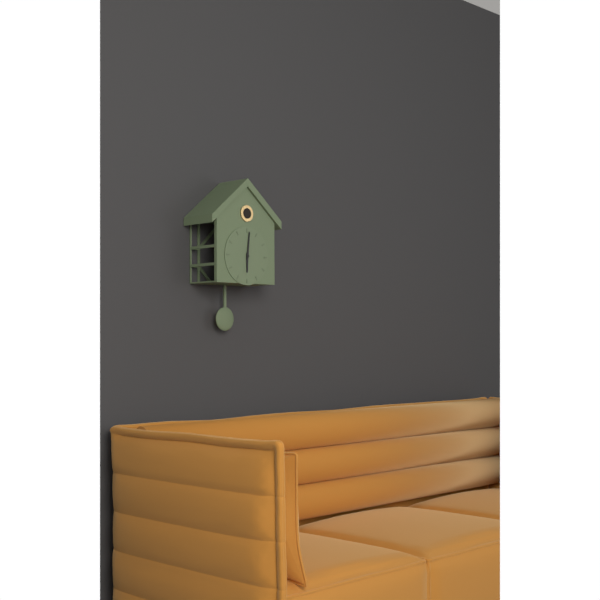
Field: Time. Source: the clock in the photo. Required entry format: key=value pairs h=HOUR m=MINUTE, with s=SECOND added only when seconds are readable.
h=6 m=1
